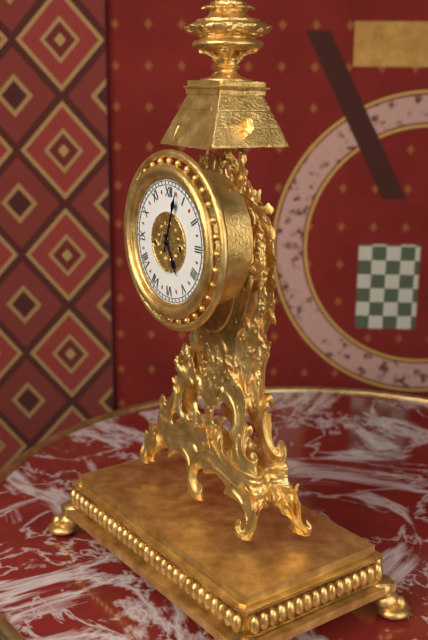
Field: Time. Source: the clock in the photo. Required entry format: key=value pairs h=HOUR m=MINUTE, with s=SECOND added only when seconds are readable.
h=5 m=3
